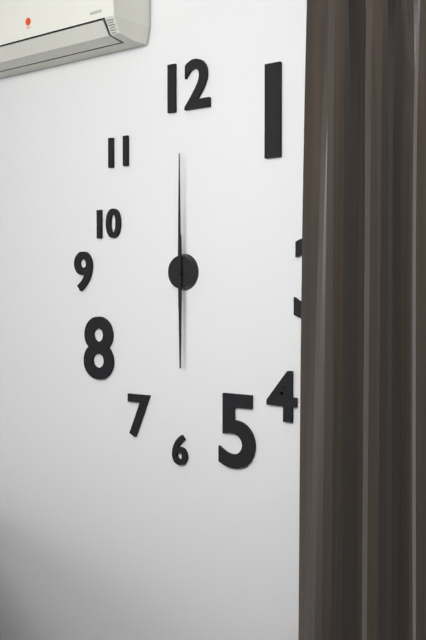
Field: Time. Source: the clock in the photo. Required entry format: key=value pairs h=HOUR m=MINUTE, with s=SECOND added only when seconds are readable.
h=6 m=0
